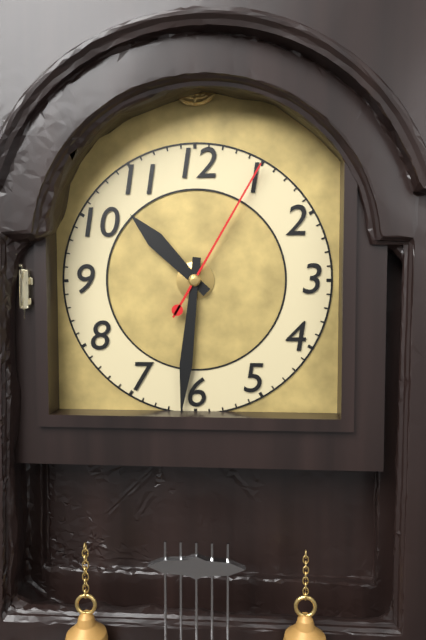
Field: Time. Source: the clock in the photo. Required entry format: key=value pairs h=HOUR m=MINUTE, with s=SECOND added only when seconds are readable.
h=10 m=31 s=5
